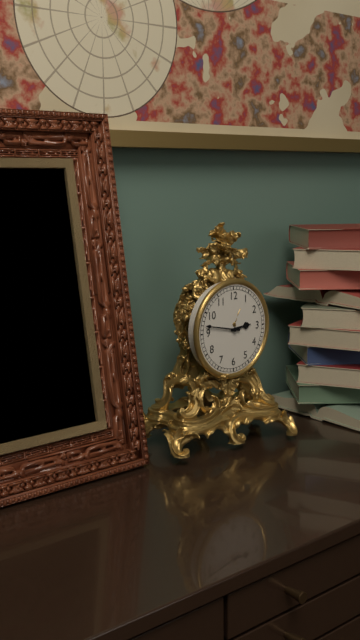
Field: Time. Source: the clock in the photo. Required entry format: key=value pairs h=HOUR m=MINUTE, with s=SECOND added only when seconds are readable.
h=2 m=47
